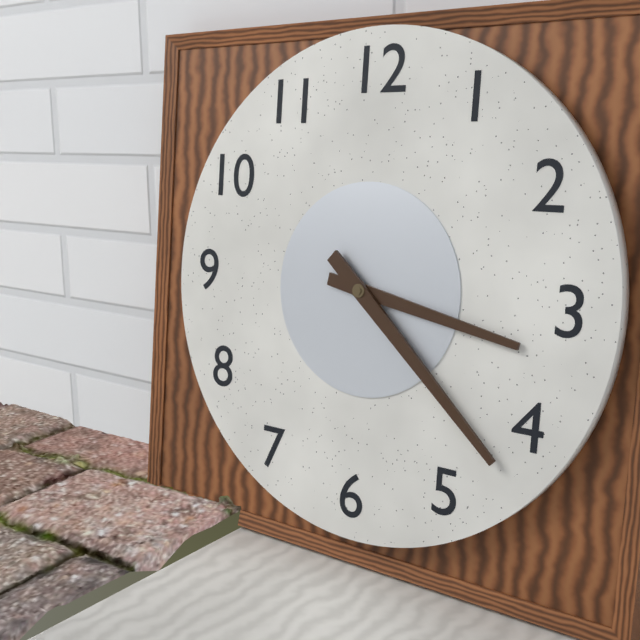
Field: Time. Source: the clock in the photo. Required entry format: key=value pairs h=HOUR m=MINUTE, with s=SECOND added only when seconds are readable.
h=3 m=22
